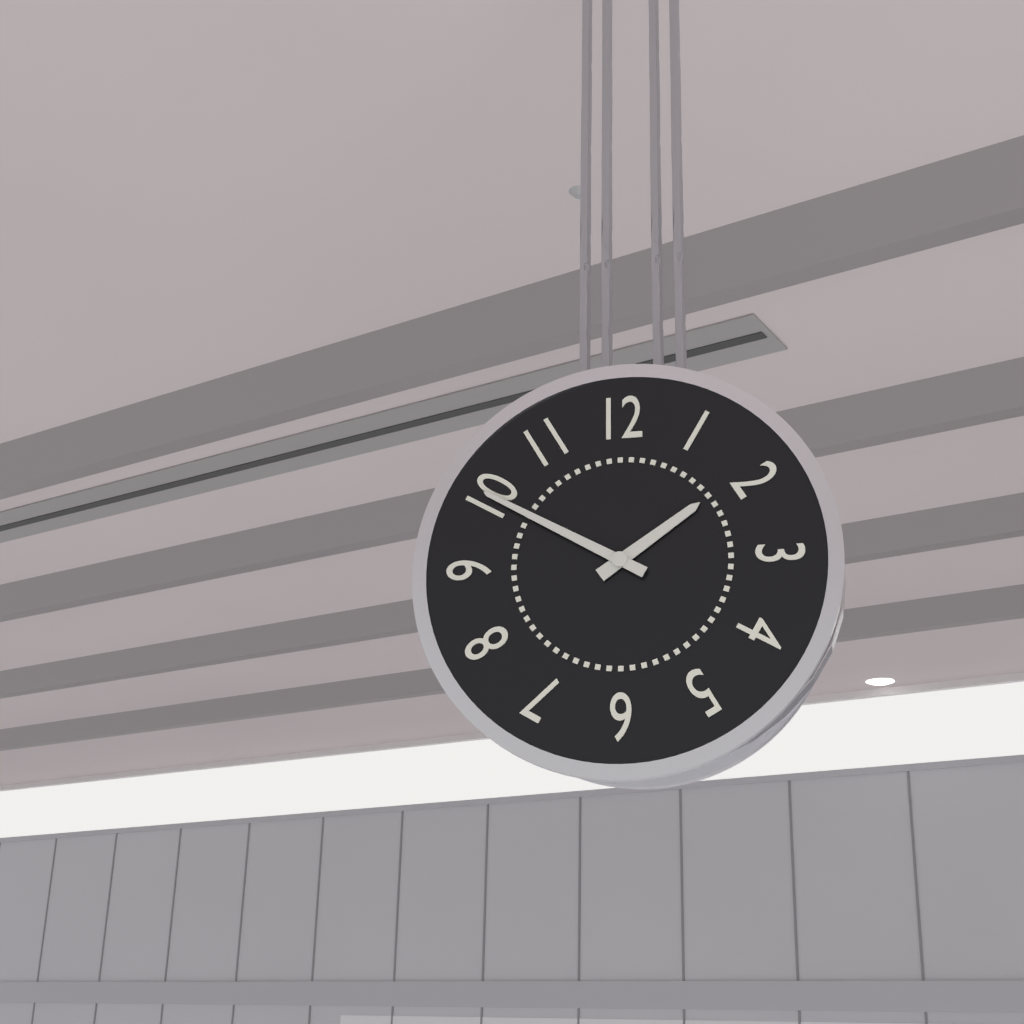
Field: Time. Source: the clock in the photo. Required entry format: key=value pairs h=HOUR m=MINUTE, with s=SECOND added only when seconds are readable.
h=1 m=50
